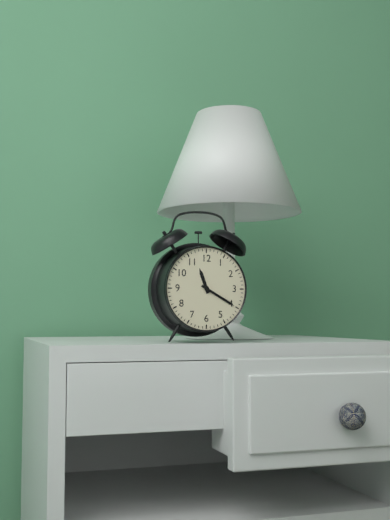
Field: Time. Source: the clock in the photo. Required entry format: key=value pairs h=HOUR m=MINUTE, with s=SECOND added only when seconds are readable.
h=11 m=20
